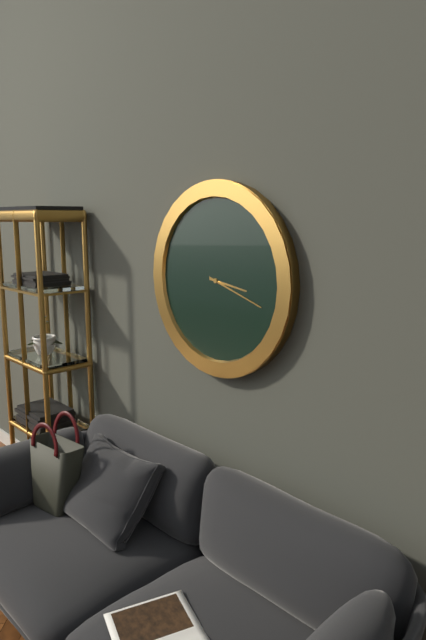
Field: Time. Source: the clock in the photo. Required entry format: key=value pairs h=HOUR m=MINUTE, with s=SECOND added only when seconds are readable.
h=3 m=18
